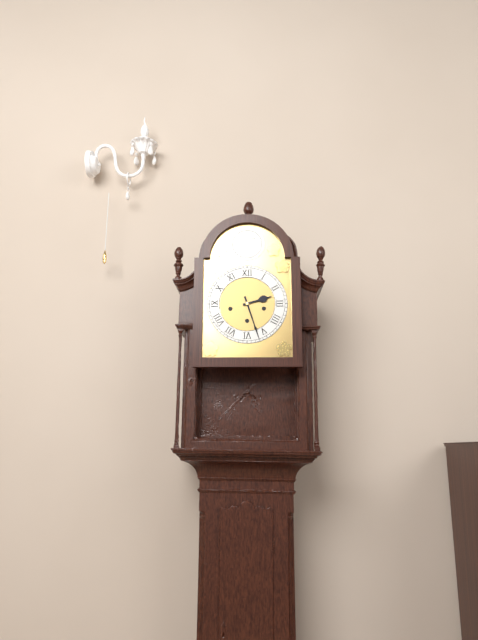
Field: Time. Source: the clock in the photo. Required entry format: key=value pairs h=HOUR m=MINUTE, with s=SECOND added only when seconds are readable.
h=2 m=27
